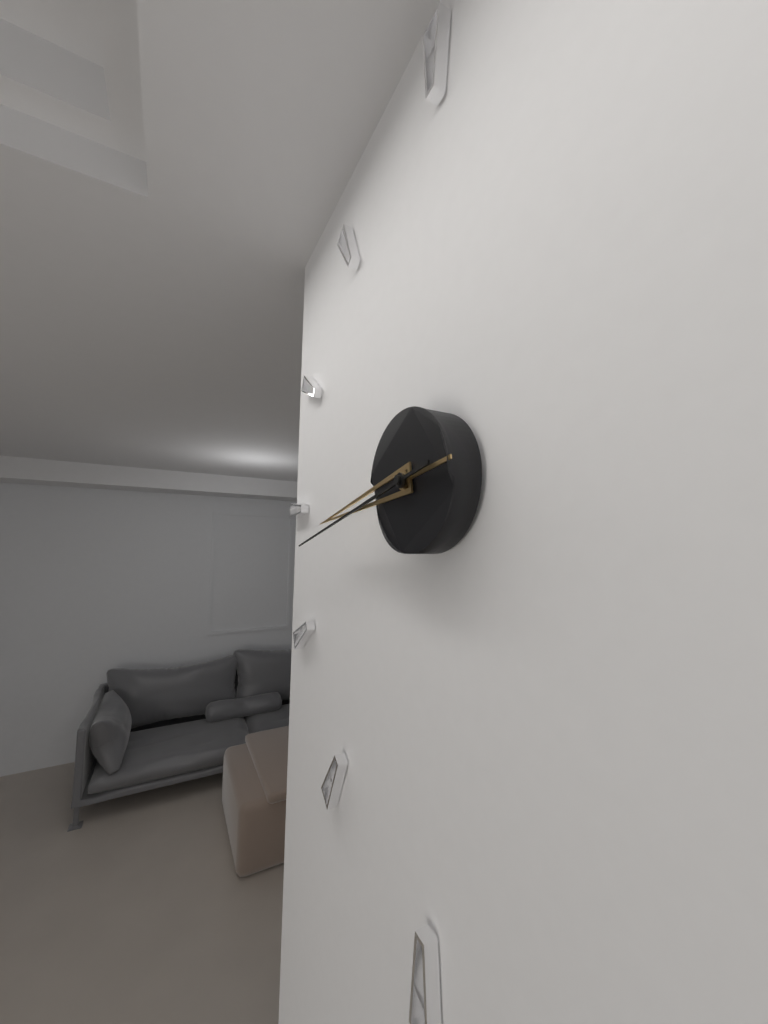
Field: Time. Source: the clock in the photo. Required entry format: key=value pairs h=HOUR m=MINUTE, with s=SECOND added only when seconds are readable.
h=8 m=43
